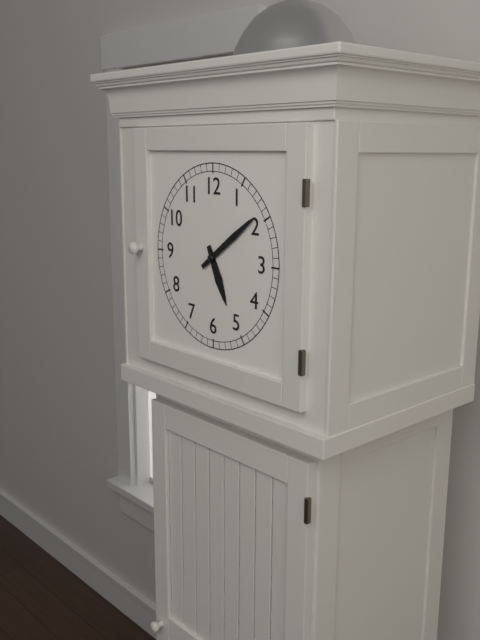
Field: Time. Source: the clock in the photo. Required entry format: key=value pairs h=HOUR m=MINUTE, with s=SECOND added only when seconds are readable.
h=5 m=9
